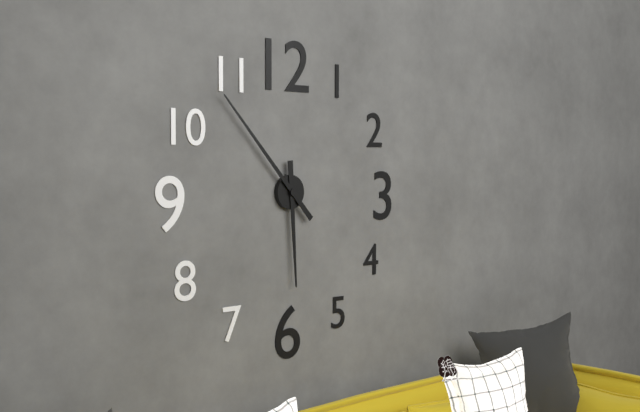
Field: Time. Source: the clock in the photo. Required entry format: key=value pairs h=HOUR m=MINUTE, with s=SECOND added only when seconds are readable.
h=5 m=53
